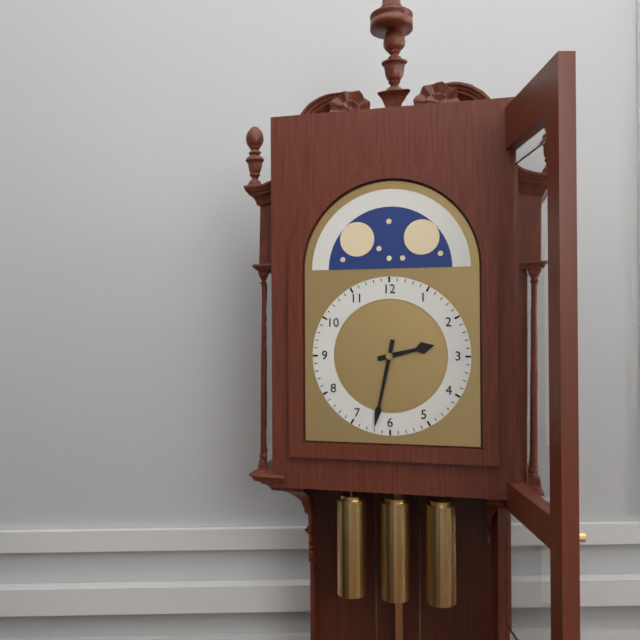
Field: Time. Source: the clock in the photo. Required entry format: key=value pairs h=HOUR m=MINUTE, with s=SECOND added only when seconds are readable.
h=2 m=32
